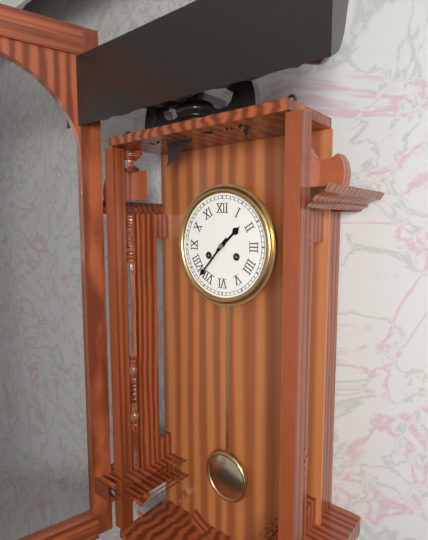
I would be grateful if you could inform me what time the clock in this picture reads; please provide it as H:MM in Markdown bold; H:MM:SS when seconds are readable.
**1:37**
